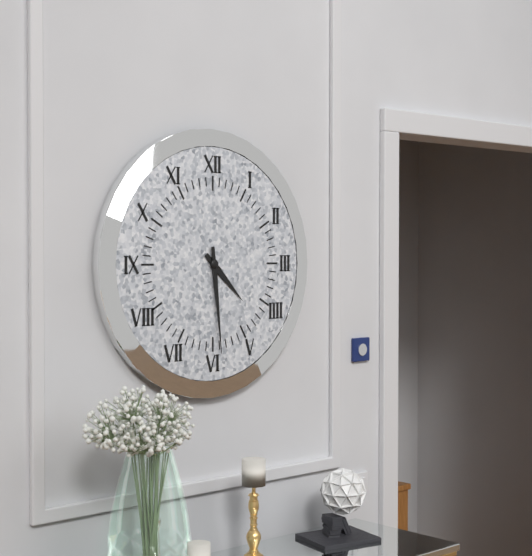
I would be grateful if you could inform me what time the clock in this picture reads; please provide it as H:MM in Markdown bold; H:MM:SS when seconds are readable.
**4:29**
